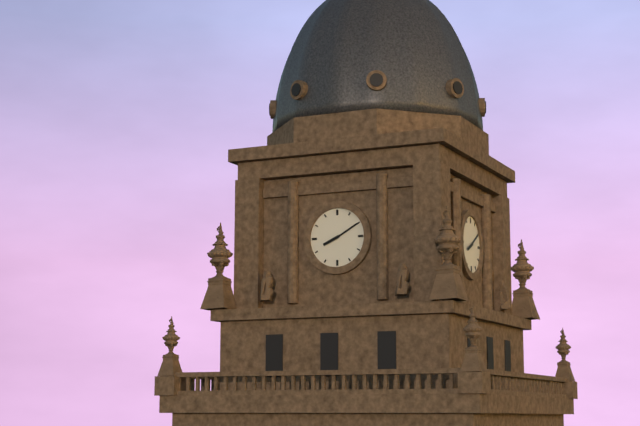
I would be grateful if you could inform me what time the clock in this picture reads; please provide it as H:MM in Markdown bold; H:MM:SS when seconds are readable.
**8:10**
